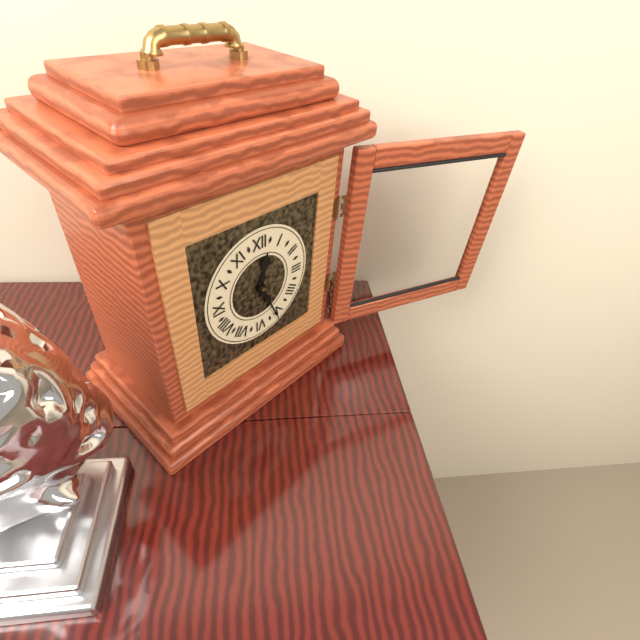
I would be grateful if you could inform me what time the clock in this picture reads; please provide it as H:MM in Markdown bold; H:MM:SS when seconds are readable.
**12:26**
